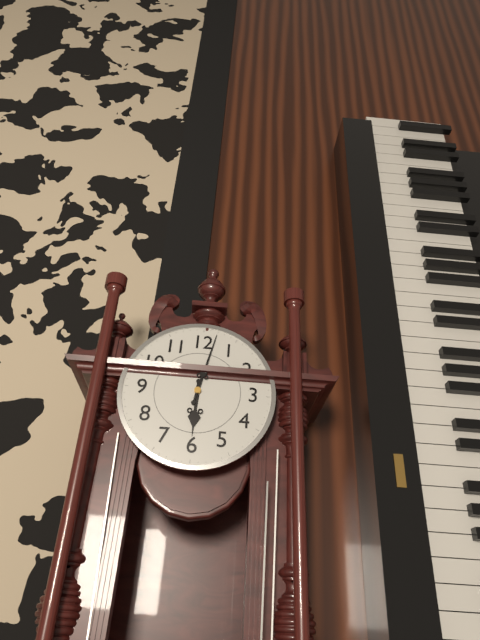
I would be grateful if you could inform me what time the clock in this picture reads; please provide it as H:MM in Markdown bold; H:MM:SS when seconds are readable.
**6:02**
